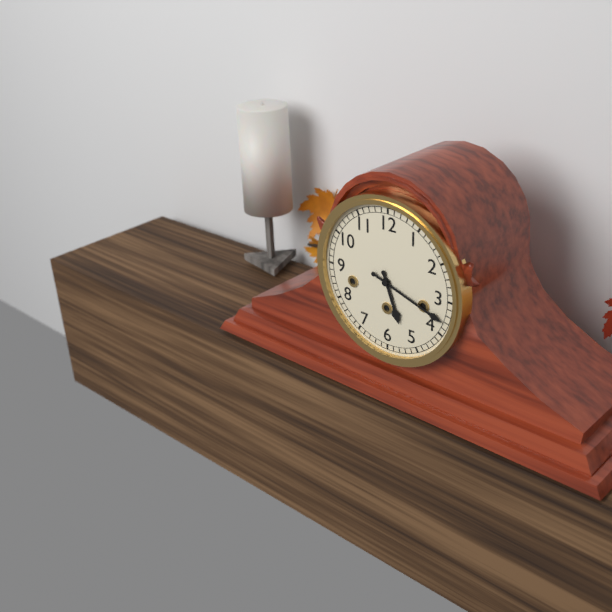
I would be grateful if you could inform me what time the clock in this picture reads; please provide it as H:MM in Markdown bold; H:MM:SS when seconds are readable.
**5:18**
